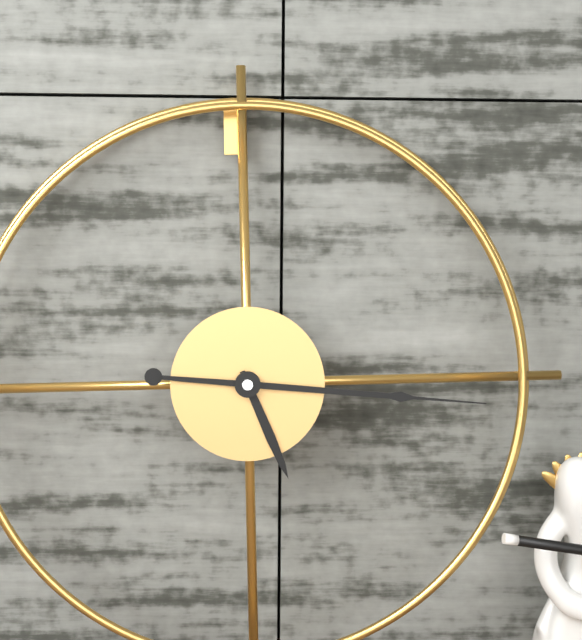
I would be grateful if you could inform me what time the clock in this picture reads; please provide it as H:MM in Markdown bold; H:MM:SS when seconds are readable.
**5:16**
